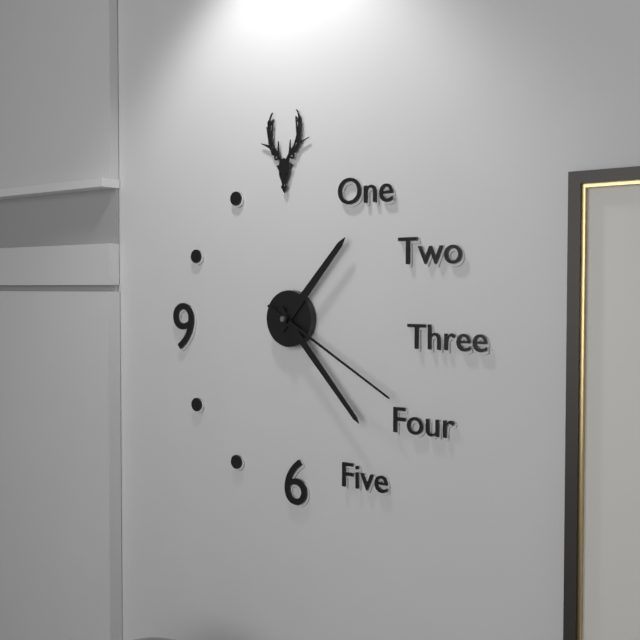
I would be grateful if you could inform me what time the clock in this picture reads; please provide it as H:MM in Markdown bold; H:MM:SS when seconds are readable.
**1:23:20**
